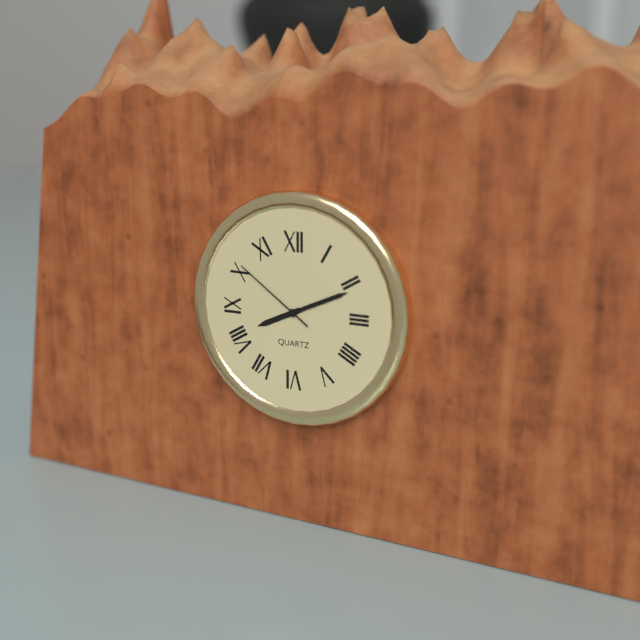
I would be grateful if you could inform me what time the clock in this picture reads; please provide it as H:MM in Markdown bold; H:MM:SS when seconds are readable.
**8:11:51**
